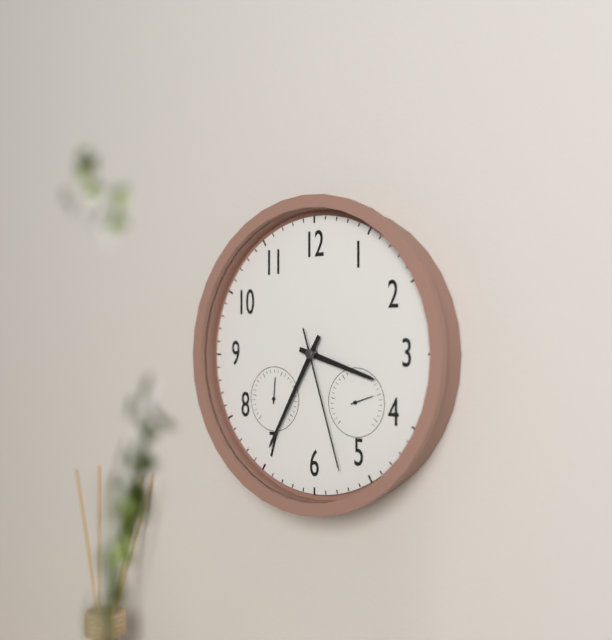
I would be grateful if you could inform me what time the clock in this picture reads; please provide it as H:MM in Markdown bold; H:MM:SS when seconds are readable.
**3:35:27**
